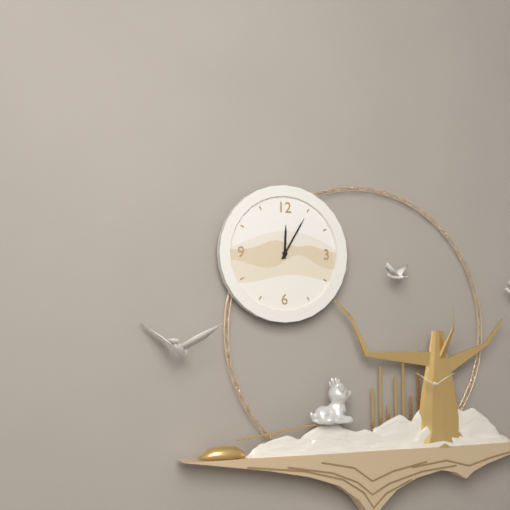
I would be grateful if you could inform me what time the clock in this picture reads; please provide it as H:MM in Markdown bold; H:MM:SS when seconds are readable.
**12:05**
